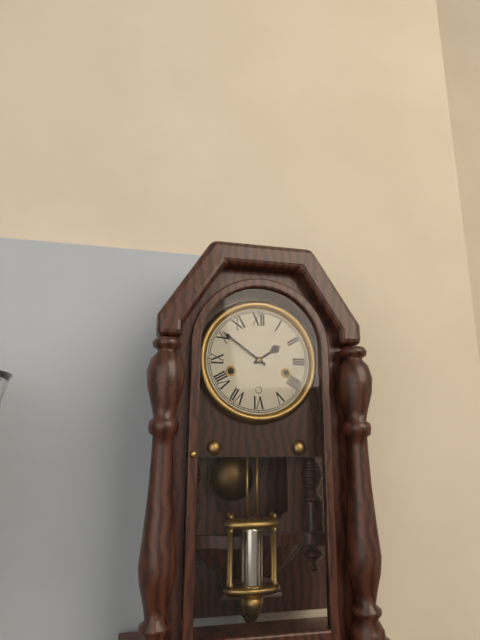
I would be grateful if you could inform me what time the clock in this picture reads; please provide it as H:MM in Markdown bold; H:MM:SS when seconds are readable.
**1:51**
